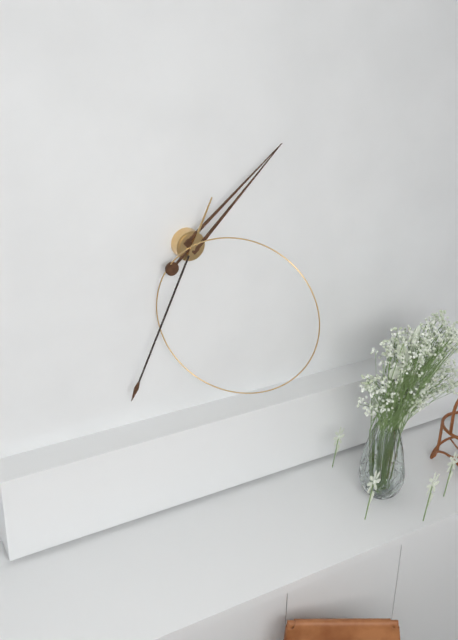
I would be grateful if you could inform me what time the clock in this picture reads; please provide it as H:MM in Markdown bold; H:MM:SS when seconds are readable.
**1:34**
